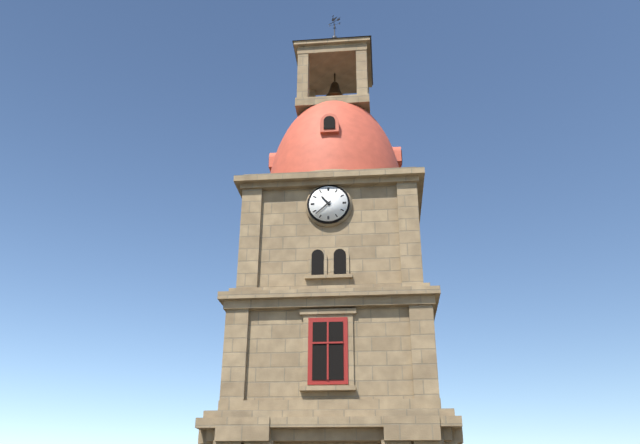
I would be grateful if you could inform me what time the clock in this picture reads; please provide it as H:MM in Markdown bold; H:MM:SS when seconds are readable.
**10:38**
